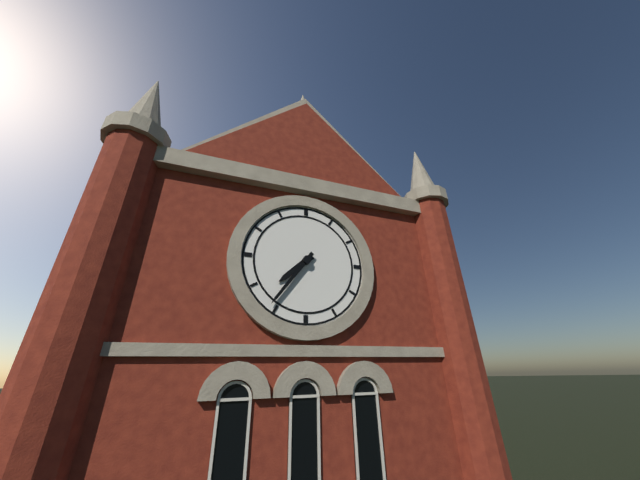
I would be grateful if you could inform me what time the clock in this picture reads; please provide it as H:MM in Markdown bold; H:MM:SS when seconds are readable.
**7:36**
